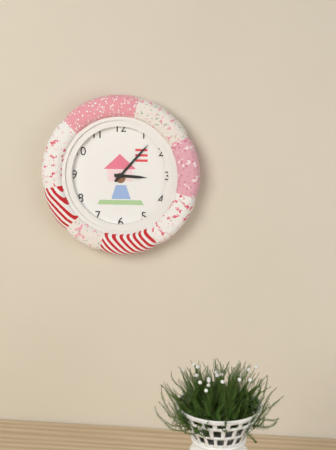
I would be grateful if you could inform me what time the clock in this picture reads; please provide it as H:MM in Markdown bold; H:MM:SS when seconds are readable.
**3:07**
